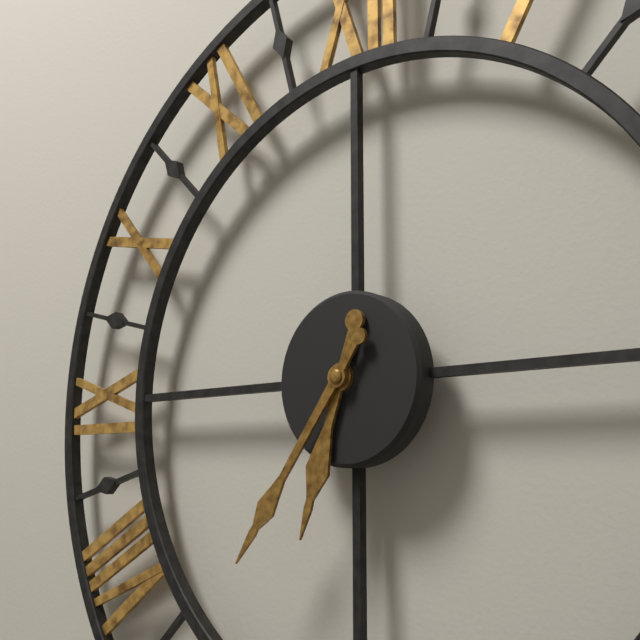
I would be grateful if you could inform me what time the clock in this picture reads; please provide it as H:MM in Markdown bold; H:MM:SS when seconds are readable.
**6:36**
